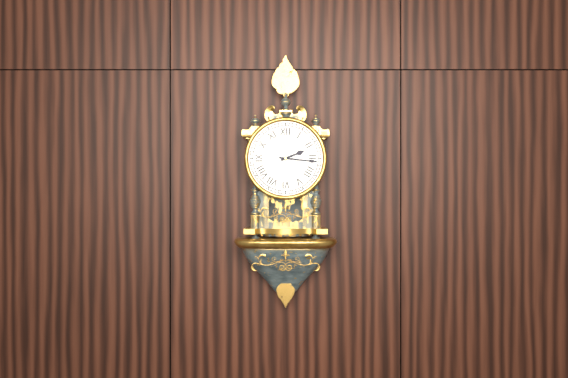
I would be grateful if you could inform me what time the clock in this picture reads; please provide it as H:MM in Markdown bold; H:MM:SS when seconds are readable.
**2:16**
